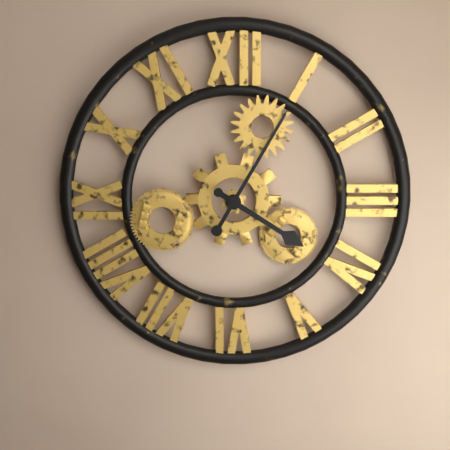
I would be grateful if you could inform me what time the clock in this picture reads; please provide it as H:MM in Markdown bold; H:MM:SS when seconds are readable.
**4:05**
